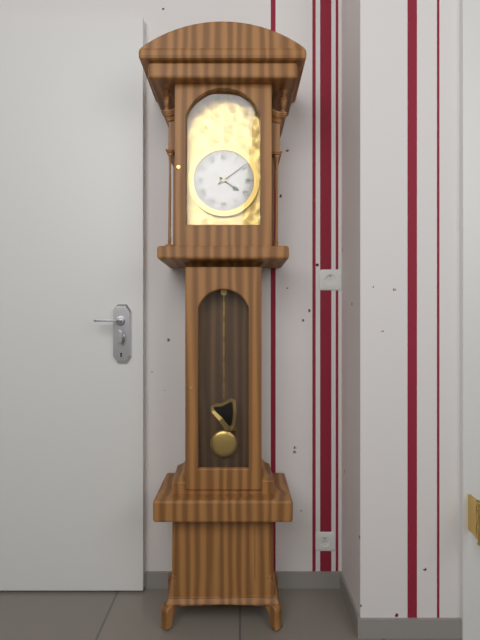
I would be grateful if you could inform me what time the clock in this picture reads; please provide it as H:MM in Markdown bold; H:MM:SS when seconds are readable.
**4:09**
